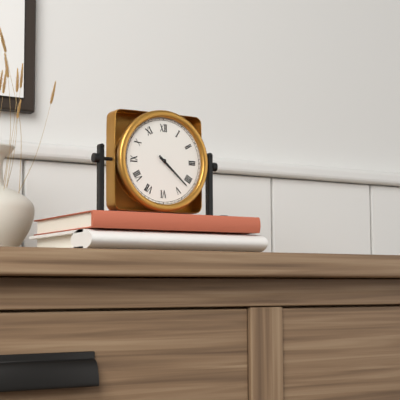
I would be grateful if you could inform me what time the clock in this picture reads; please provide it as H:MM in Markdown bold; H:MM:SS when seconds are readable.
**4:22**
